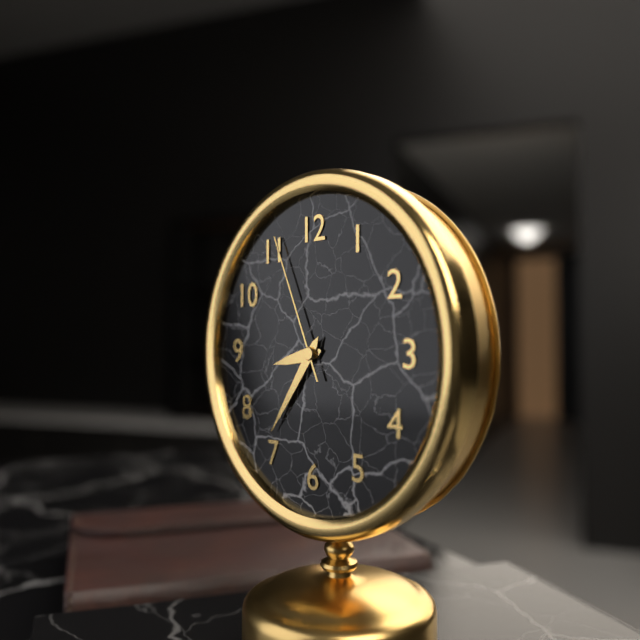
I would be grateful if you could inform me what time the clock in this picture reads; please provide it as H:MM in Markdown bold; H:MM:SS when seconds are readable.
**8:36:56**
